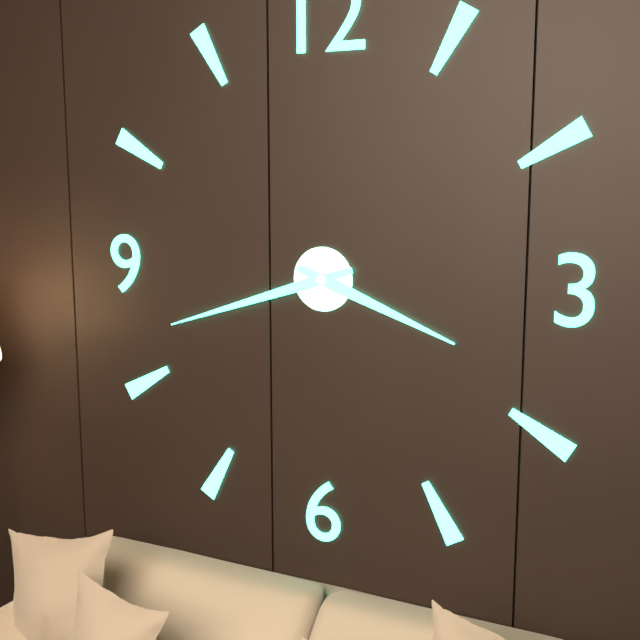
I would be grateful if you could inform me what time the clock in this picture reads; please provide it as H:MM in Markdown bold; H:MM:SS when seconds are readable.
**3:42**
